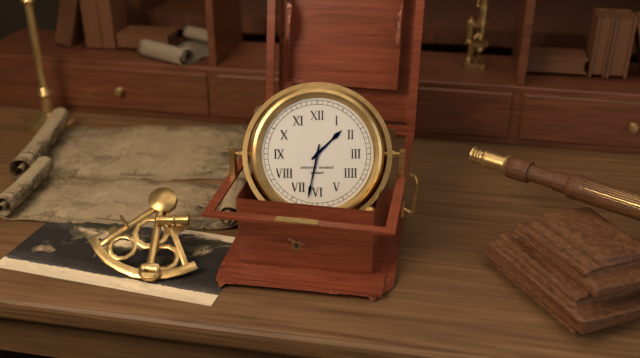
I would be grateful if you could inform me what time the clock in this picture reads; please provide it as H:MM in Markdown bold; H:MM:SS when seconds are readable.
**1:32**
